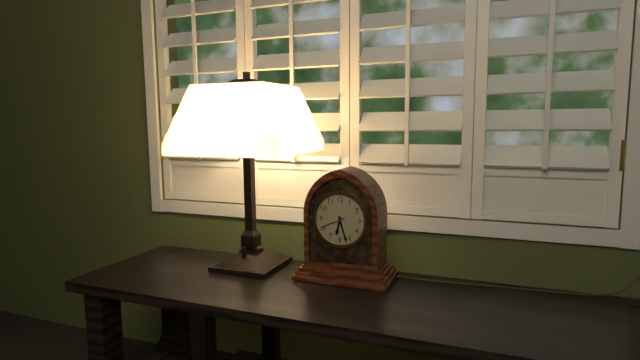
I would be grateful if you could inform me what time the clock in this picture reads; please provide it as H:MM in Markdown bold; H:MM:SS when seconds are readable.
**6:27**
